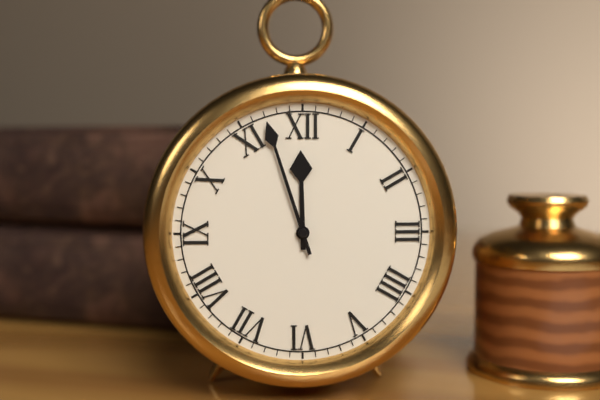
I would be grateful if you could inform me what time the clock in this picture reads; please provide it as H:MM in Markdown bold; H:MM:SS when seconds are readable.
**11:57**
